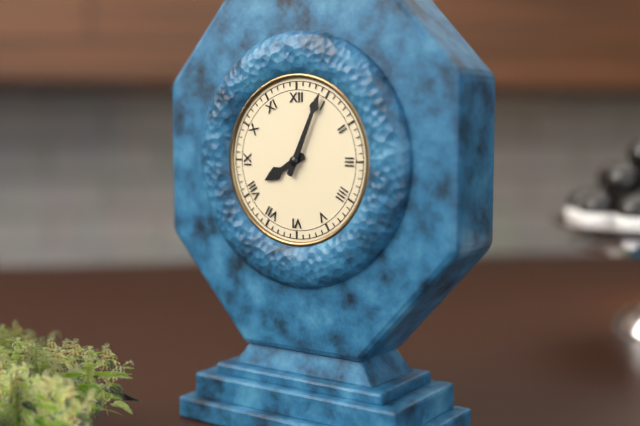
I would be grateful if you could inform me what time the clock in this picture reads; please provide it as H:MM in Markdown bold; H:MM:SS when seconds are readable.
**8:04**
